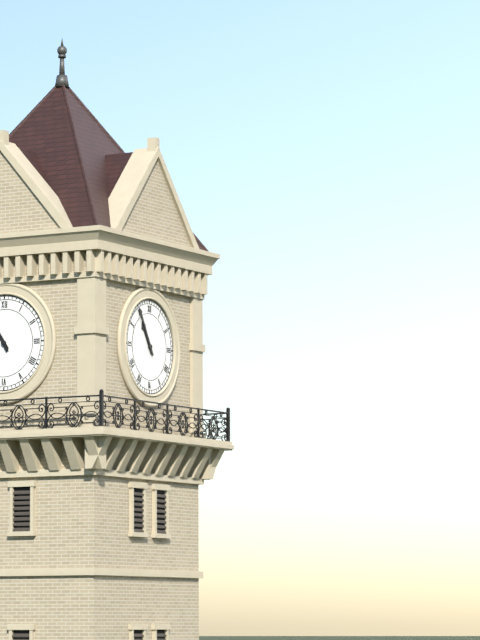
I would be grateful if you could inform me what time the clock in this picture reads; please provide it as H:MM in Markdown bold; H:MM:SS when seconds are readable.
**10:55**
